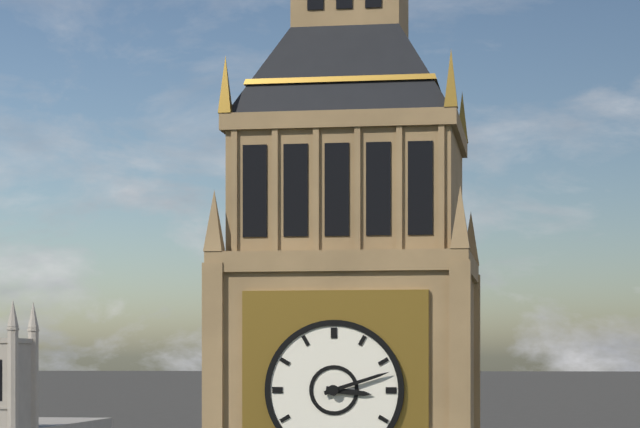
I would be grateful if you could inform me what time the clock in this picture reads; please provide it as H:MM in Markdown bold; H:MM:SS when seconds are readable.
**3:12**
